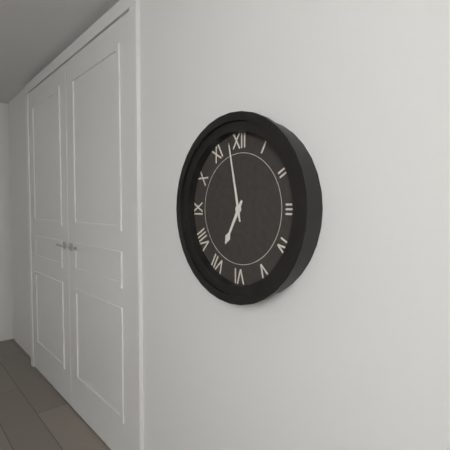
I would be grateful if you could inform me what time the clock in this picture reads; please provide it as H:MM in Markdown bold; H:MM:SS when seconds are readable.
**6:58**
